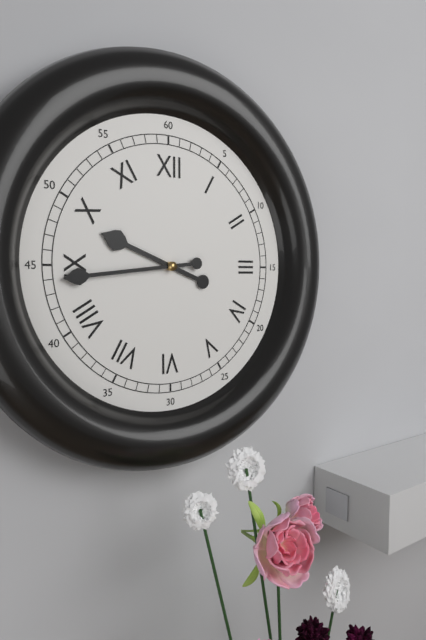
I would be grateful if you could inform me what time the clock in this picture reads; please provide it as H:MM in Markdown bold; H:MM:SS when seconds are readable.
**9:44**
